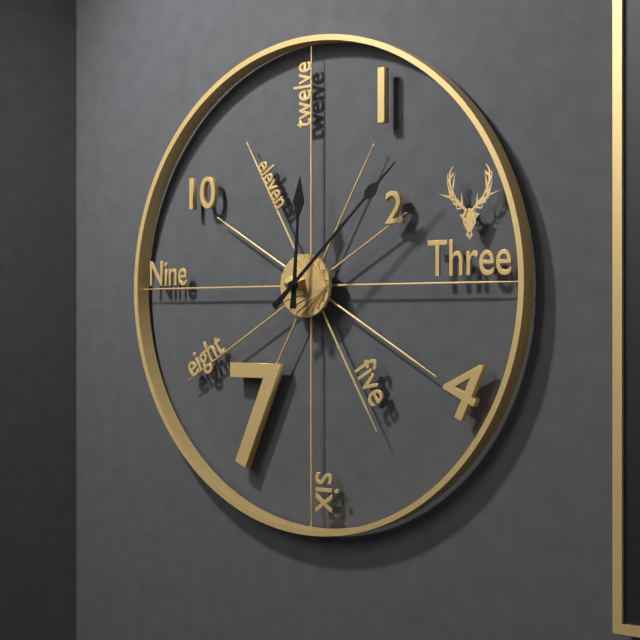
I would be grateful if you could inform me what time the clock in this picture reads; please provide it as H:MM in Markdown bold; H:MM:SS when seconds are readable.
**12:08**
